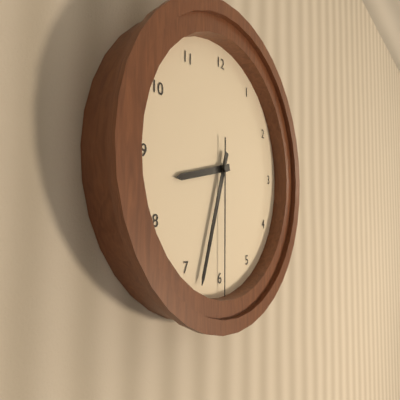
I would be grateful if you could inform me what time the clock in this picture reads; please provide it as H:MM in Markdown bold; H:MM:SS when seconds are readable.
**8:33:30**
